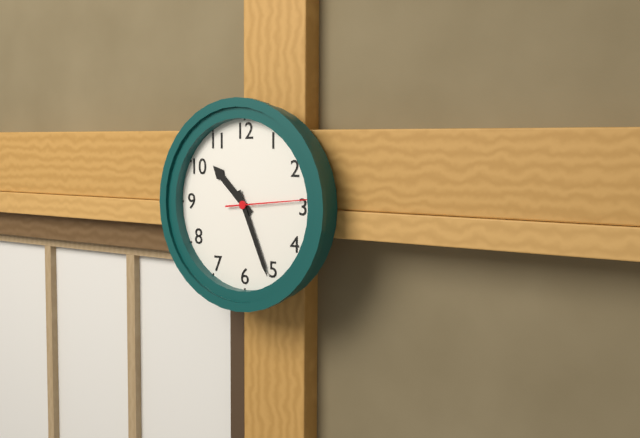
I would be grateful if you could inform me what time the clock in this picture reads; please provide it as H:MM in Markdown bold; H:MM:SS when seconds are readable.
**10:26:14**
